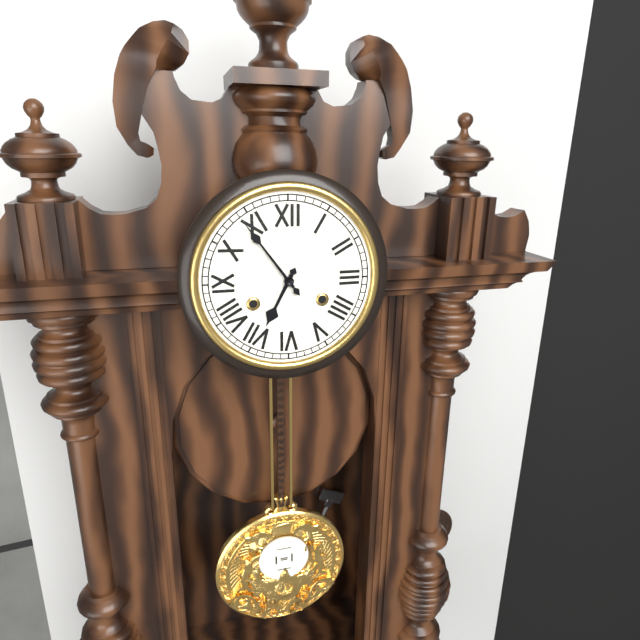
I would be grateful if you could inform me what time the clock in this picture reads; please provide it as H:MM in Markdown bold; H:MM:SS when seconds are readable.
**6:54**
